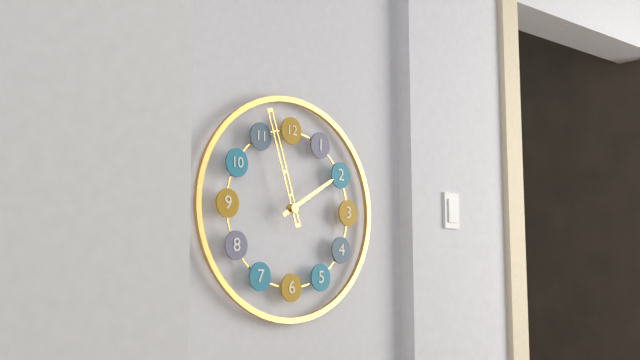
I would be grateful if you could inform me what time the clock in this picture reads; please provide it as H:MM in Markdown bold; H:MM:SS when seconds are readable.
**1:57**
